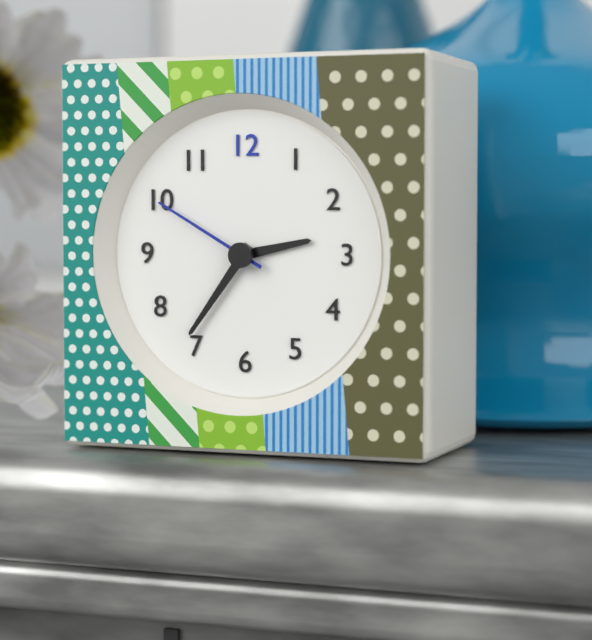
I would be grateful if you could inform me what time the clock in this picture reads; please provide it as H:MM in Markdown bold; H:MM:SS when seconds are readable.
**2:36:50**
